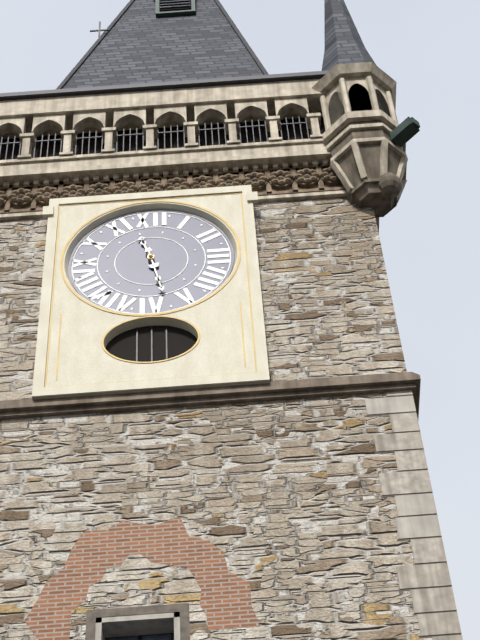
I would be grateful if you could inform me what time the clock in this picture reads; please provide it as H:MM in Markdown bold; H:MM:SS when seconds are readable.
**11:28**
